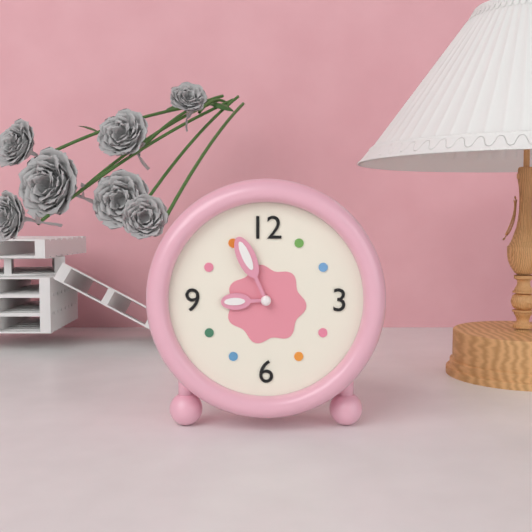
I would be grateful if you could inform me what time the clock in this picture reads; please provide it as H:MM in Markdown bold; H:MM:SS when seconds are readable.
**8:56**
